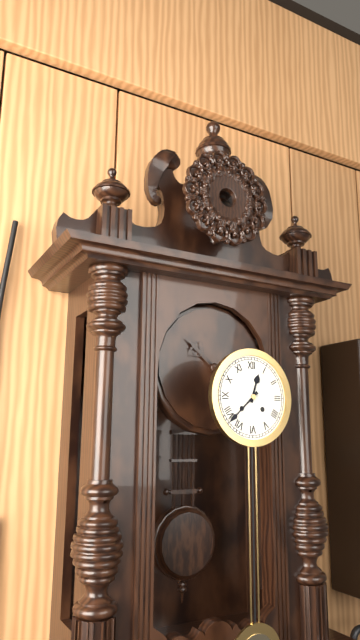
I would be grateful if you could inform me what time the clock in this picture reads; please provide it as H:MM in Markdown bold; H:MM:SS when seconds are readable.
**12:38**
